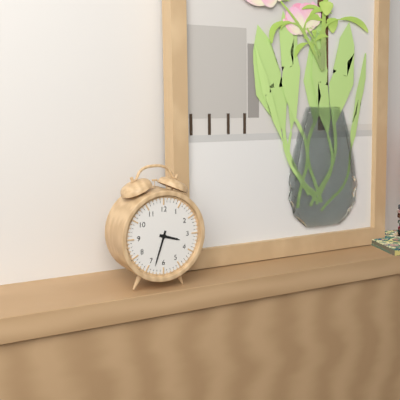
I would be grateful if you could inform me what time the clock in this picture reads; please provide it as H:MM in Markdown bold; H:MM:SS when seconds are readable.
**3:33**
